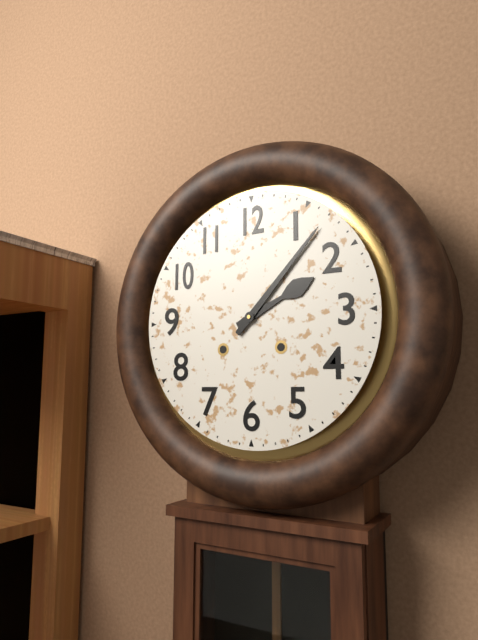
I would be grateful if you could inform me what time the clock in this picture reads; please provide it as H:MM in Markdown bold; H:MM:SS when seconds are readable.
**2:07**
